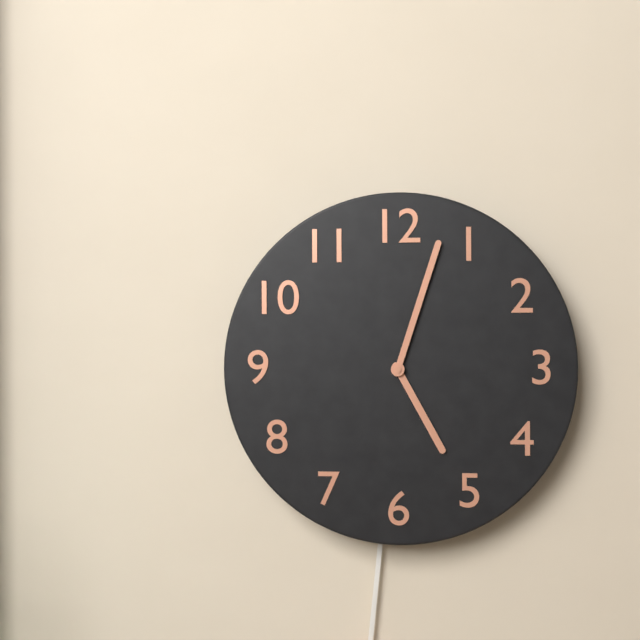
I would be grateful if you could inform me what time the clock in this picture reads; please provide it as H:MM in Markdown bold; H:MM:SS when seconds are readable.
**5:03**
